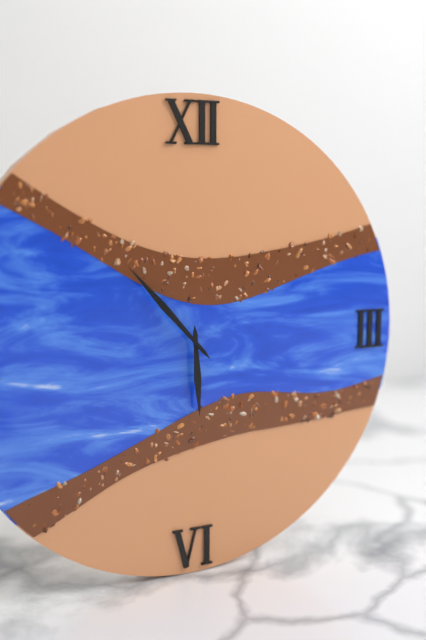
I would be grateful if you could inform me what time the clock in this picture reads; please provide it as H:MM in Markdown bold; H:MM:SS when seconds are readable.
**5:53**
